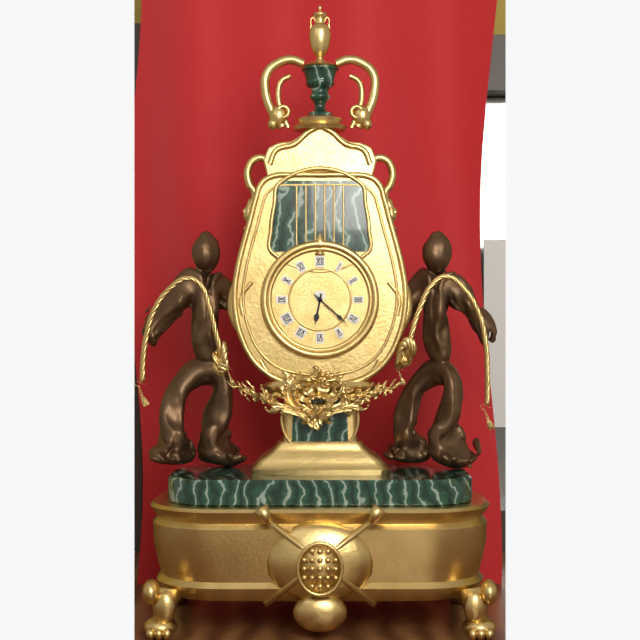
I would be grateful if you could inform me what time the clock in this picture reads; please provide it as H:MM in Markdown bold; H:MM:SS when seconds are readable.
**6:22**
